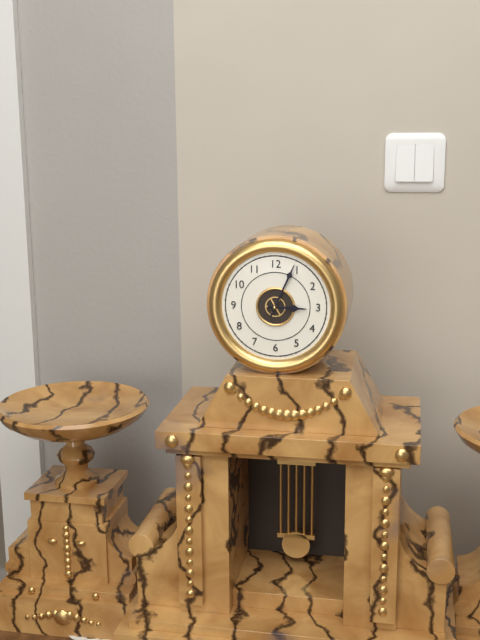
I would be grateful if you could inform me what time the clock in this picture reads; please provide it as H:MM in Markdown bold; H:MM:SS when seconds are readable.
**3:04**
